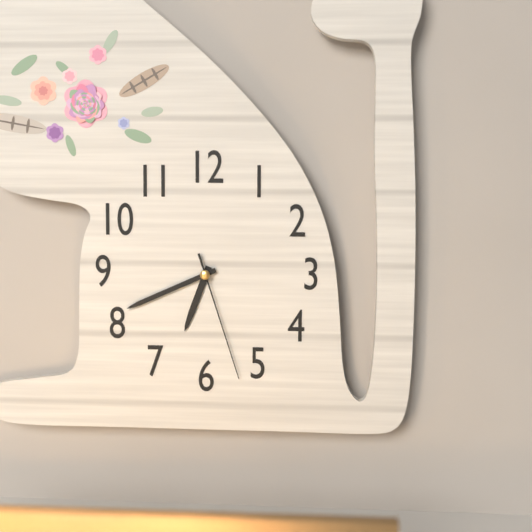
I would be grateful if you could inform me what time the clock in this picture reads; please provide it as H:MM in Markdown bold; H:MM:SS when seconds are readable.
**6:41:27**
